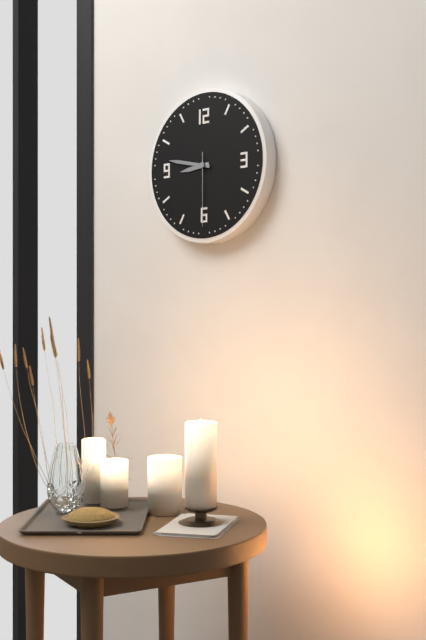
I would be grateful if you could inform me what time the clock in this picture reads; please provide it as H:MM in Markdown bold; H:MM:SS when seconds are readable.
**8:47:30**
